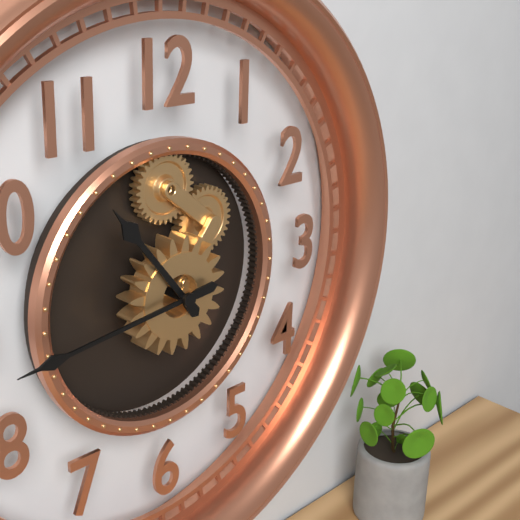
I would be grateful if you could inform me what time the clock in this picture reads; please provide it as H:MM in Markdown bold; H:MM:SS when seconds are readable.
**10:44**
